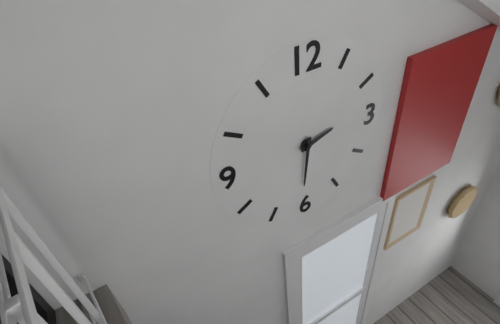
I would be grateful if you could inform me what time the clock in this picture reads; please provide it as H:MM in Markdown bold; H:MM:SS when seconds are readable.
**2:31**
